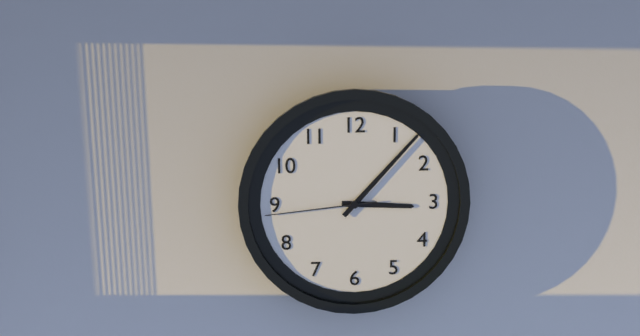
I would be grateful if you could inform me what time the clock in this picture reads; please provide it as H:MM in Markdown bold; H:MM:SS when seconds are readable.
**3:07:44**
